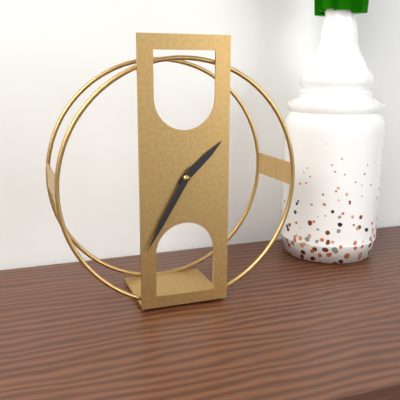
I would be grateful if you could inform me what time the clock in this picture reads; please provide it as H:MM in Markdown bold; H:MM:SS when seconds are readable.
**1:35**
